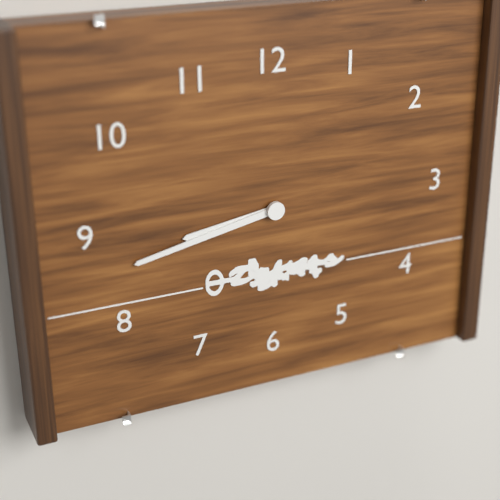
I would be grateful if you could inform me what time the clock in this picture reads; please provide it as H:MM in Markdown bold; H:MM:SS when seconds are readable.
**8:43**
